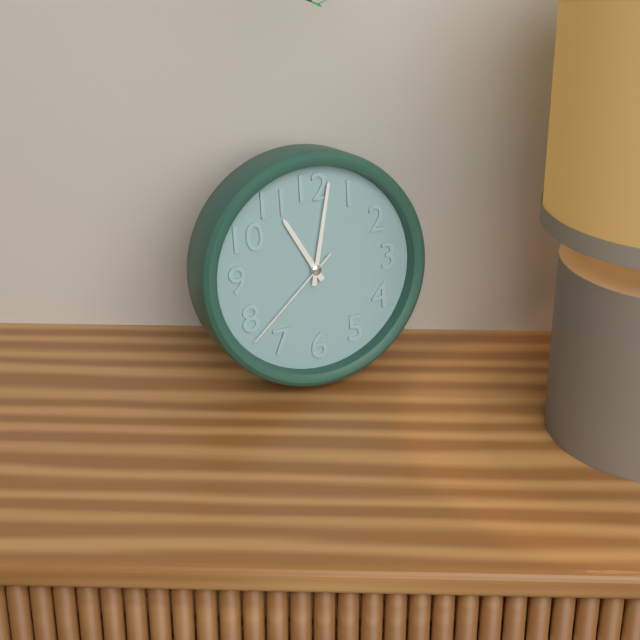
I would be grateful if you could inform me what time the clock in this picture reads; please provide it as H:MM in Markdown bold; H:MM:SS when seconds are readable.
**11:02:38**
